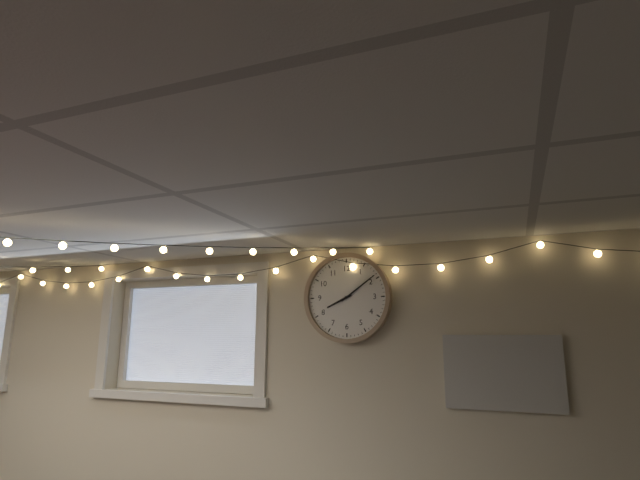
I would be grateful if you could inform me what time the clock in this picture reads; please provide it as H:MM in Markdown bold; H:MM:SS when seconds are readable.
**8:09**
